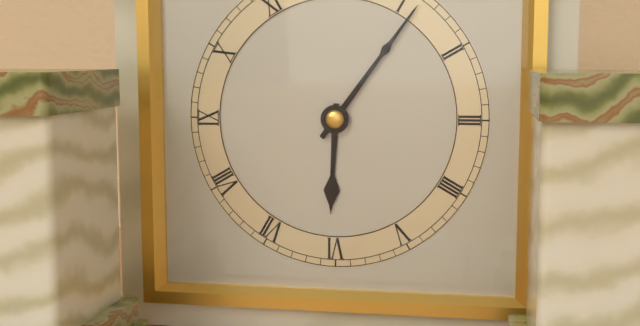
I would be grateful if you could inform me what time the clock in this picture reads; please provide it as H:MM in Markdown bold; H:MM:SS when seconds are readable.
**6:06**
